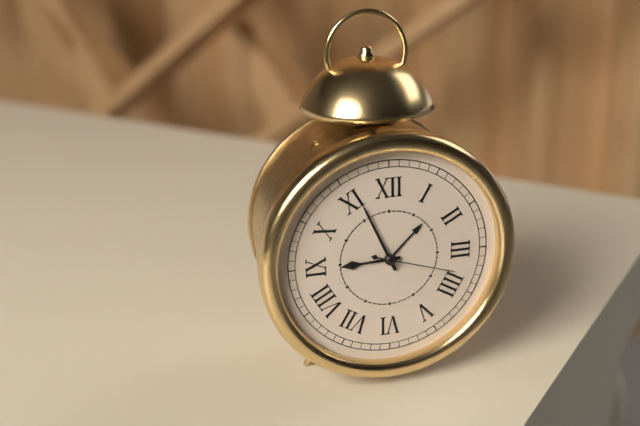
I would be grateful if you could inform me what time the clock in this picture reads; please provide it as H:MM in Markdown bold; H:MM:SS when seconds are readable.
**8:56:18**
